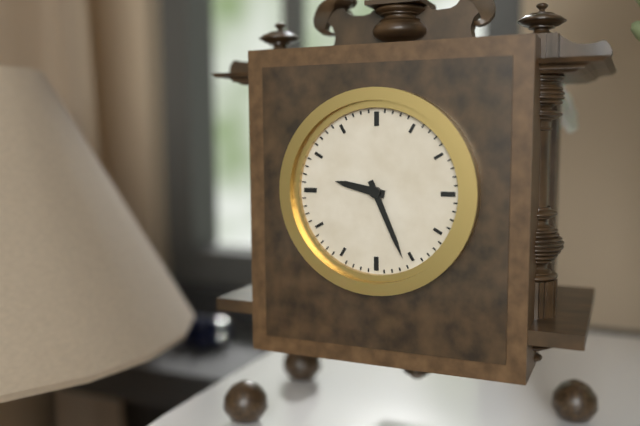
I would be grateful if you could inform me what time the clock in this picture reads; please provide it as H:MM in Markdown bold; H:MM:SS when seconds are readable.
**9:26**
